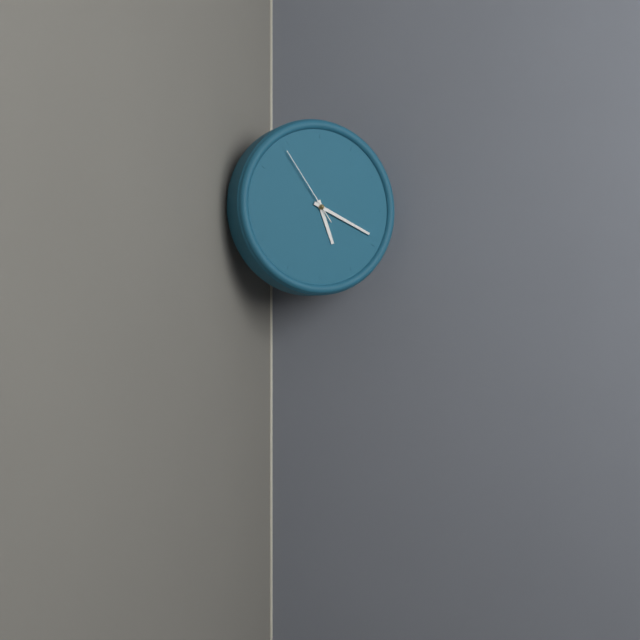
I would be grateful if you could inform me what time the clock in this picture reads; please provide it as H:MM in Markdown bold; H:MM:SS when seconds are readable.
**5:19:54**
